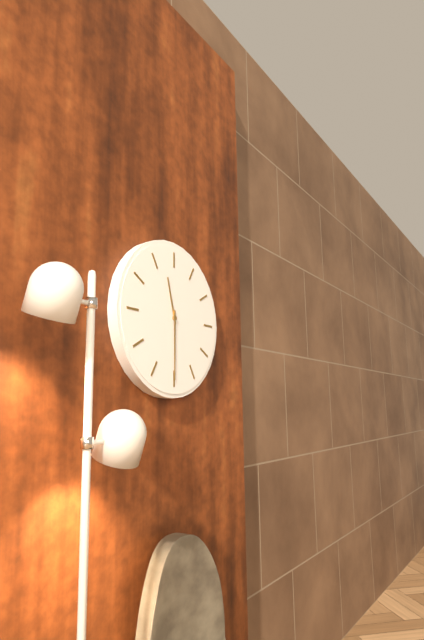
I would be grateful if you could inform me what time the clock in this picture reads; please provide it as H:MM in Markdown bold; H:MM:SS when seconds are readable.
**11:30**
